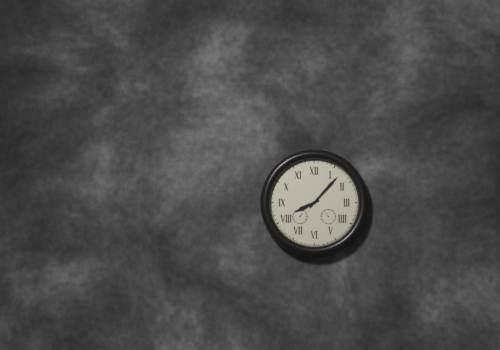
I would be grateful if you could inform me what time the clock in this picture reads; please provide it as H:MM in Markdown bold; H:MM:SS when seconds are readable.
**8:07**
